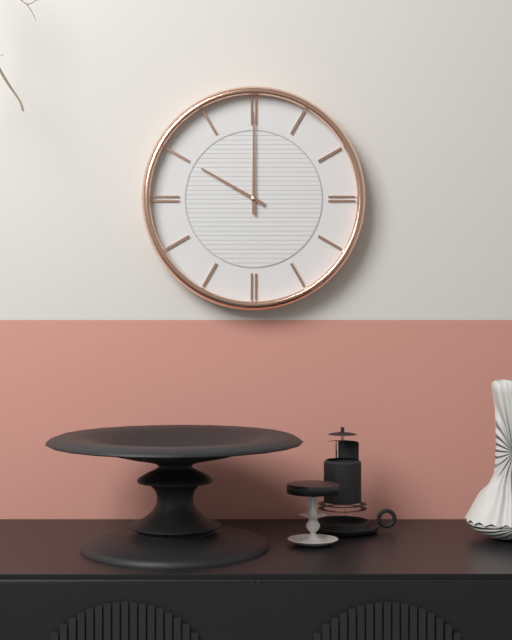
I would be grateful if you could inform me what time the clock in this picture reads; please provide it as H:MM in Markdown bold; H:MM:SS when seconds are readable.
**10:00**
